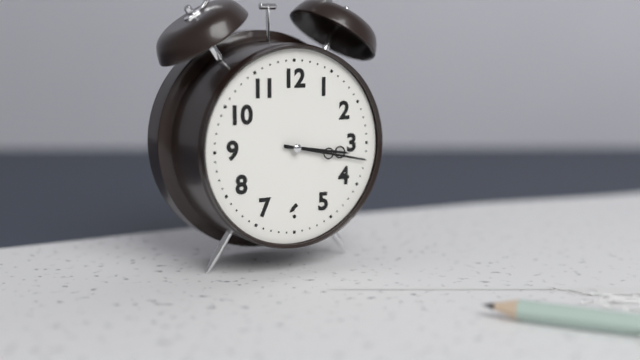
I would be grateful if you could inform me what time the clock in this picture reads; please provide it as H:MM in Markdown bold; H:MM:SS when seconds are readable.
**3:17:17**
